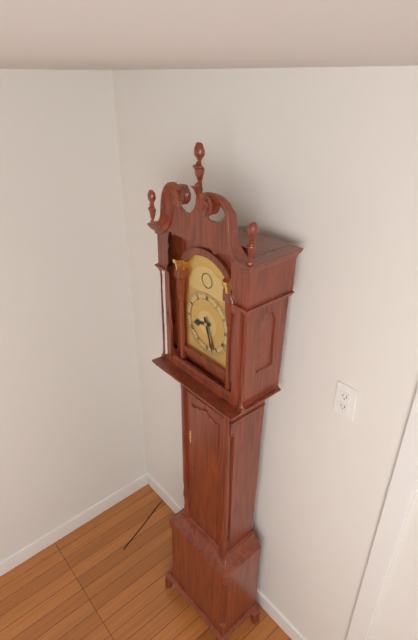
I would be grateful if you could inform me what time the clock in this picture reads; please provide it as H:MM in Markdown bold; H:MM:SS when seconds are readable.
**8:27**
